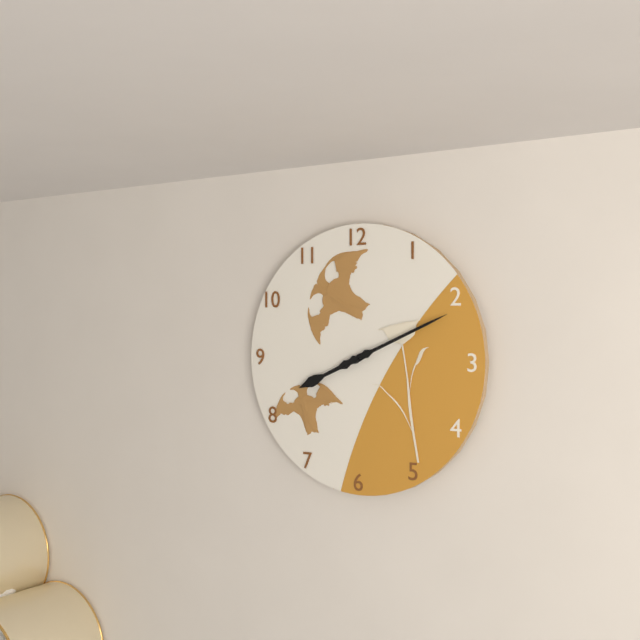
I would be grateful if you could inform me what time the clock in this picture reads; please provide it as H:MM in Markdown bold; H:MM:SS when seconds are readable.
**8:11**
